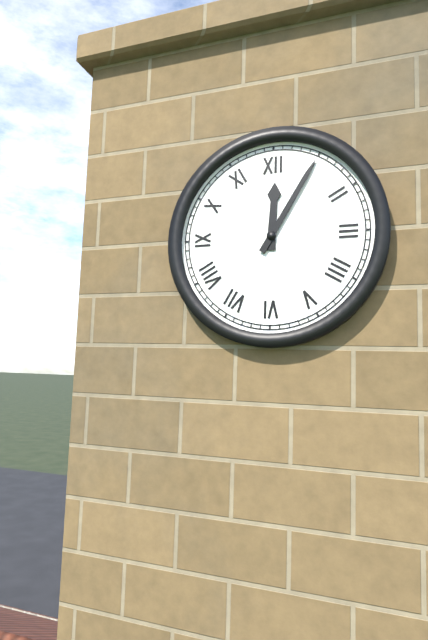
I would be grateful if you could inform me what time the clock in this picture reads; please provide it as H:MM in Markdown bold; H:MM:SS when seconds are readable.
**12:05**
